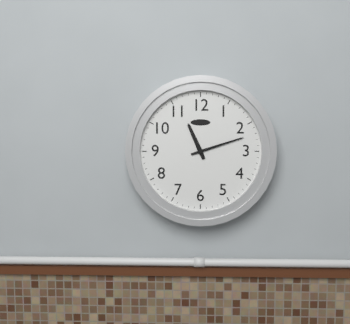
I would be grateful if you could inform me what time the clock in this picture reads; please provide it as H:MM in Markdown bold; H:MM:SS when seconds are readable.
**11:12**
